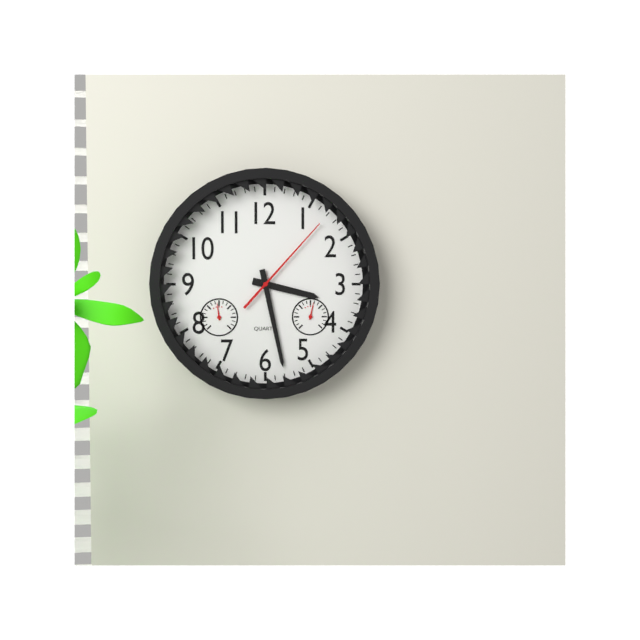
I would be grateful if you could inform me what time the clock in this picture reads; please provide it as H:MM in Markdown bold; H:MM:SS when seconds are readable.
**3:28:07**
